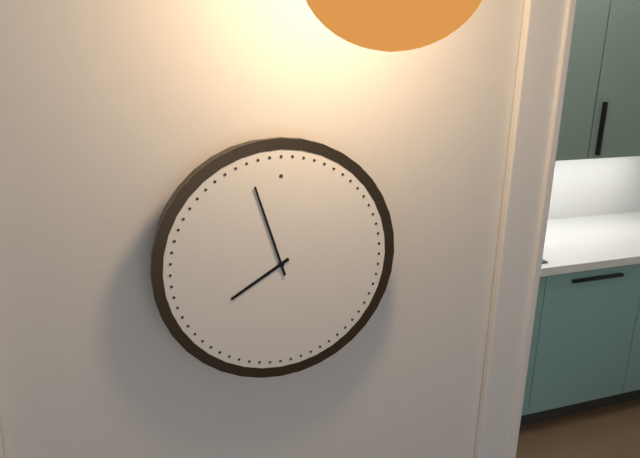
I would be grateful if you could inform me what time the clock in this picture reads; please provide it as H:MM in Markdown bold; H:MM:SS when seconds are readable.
**7:57**
